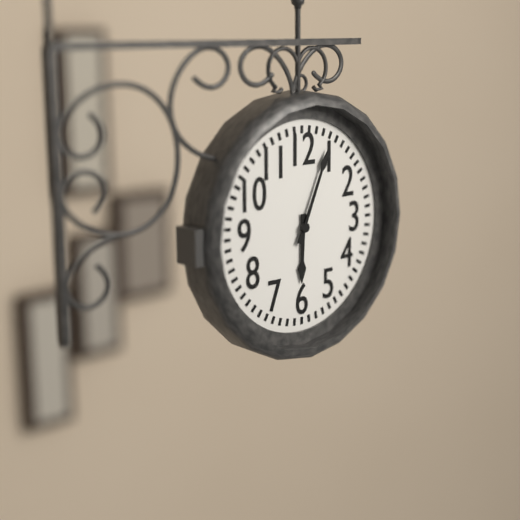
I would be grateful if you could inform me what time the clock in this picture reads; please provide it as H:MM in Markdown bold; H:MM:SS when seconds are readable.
**6:04**
